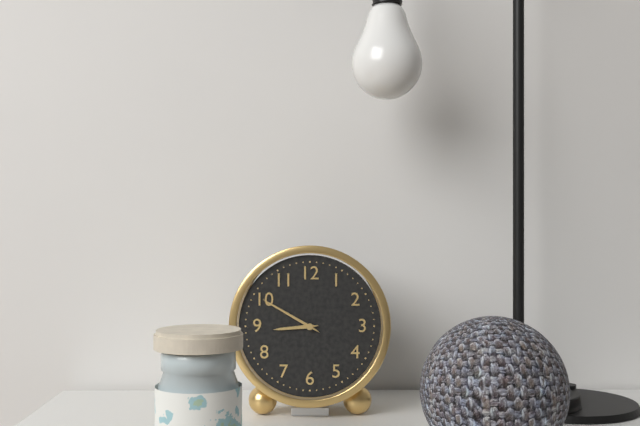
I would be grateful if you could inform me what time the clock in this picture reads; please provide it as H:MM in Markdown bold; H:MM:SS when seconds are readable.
**8:50**
